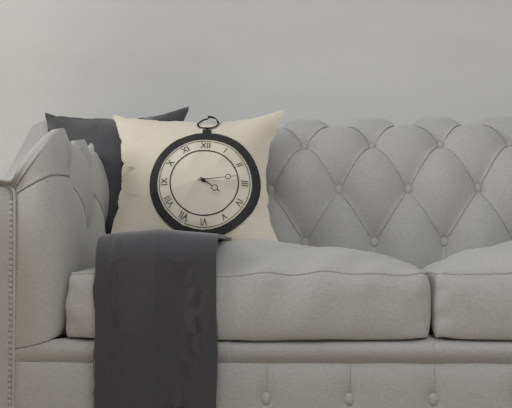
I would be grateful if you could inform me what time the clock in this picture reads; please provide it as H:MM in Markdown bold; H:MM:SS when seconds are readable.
**4:14**
